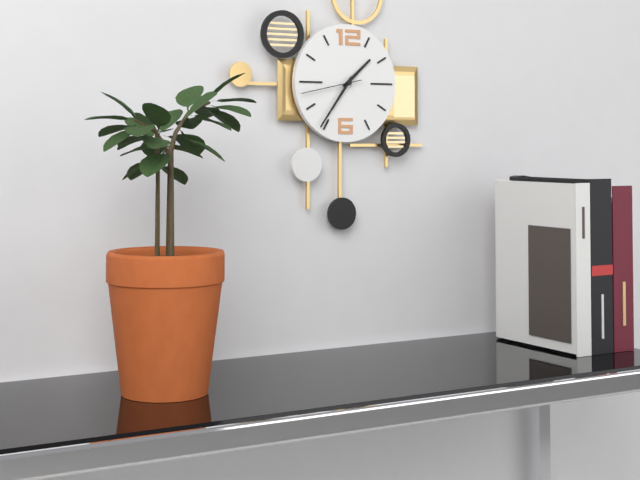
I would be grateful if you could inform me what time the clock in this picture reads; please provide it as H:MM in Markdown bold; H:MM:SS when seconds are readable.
**1:36:43**
